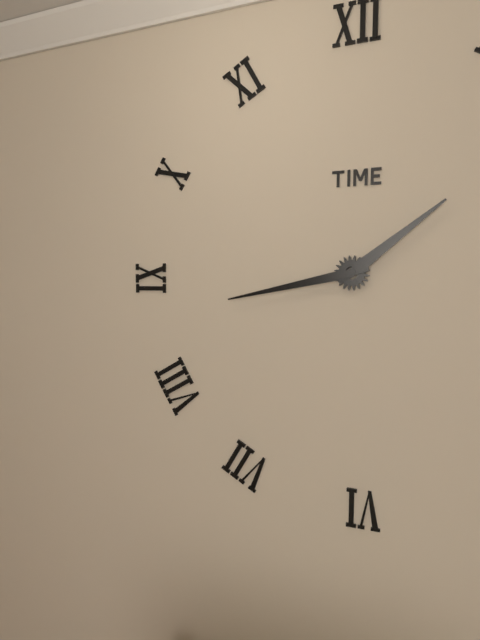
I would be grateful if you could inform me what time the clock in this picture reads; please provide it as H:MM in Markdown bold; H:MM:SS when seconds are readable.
**1:43**
